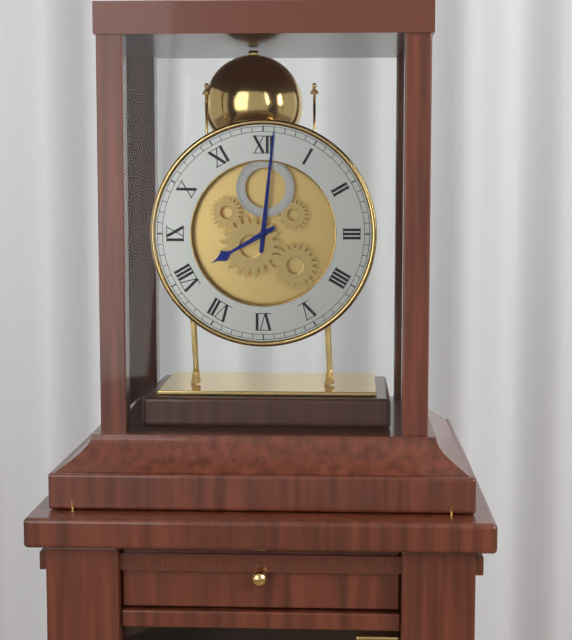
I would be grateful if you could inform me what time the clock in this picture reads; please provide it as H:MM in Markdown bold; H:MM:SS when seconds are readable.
**8:01**
